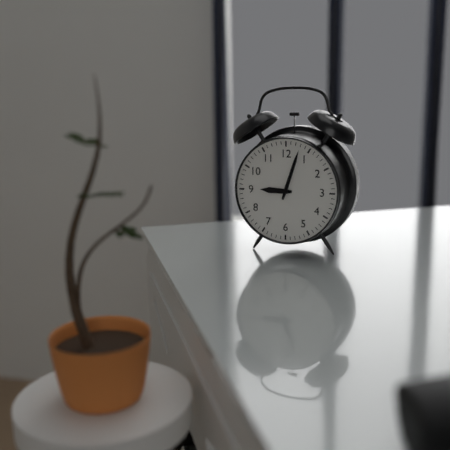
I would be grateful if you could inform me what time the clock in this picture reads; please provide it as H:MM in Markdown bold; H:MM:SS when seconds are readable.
**9:03**
